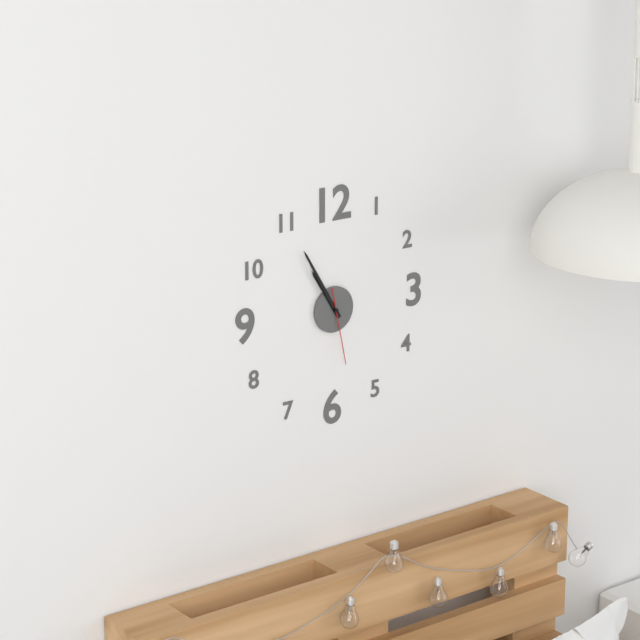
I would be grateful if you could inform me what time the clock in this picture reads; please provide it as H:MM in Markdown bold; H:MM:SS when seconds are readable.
**10:55:28**
